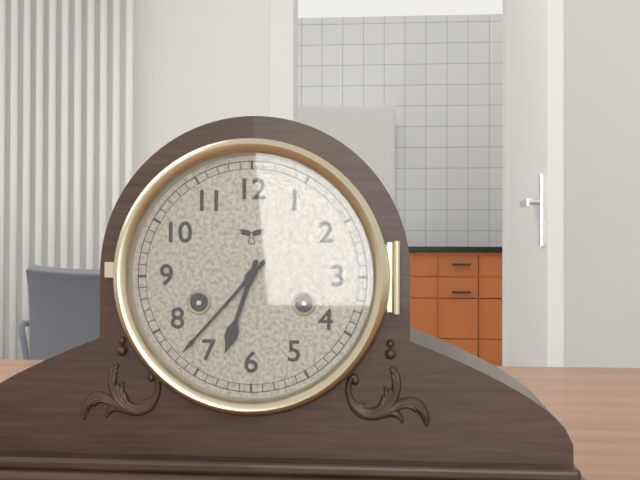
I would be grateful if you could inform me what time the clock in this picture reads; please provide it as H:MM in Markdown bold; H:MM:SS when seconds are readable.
**6:37**
